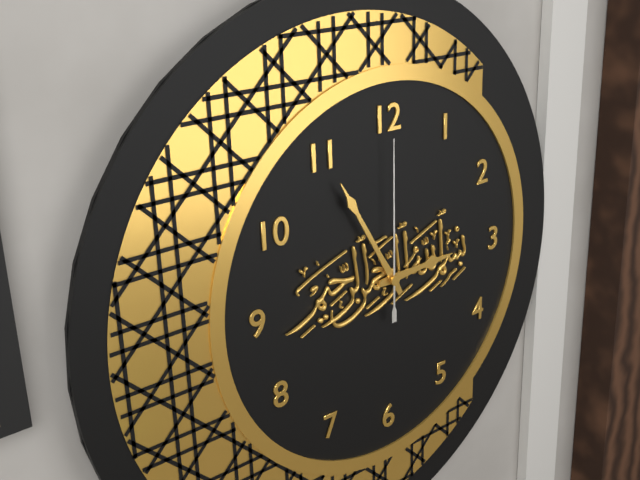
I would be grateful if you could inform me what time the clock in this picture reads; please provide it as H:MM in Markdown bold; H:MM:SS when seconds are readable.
**2:55:00**
